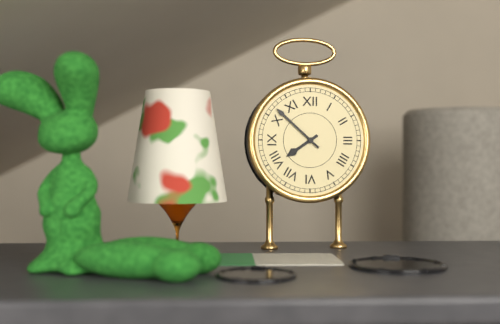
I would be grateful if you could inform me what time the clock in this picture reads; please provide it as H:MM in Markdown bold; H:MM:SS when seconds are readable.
**7:52**
